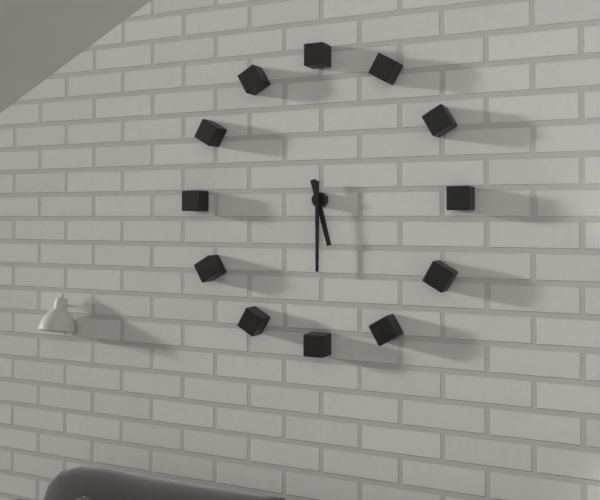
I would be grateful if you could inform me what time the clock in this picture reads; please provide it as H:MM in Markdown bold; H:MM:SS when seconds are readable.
**5:30**
